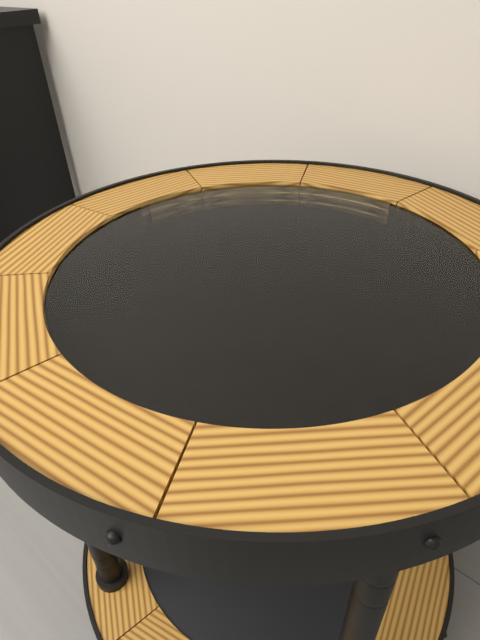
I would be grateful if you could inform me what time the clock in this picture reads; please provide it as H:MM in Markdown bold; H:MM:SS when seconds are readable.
**12:26**
